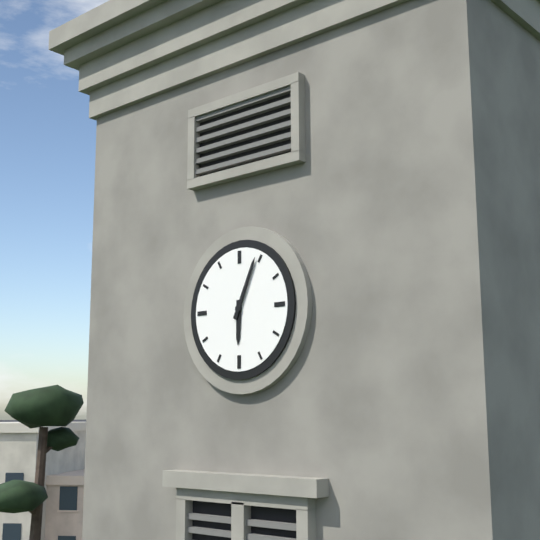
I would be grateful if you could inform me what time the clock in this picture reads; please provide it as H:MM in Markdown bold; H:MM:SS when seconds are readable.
**6:04**
